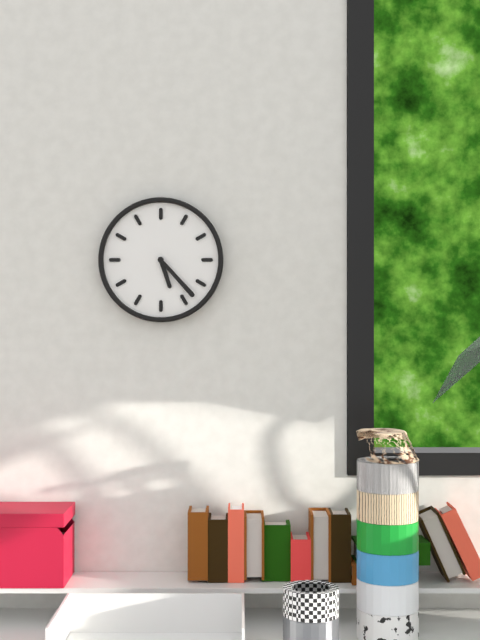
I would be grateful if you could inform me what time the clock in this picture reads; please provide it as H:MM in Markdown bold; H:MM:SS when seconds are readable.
**5:23**
